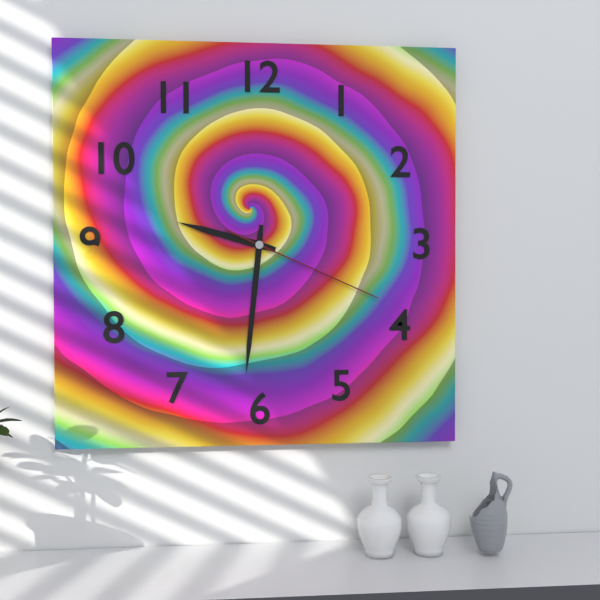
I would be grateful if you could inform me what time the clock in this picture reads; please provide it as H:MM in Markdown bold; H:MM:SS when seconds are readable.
**9:31:19**
